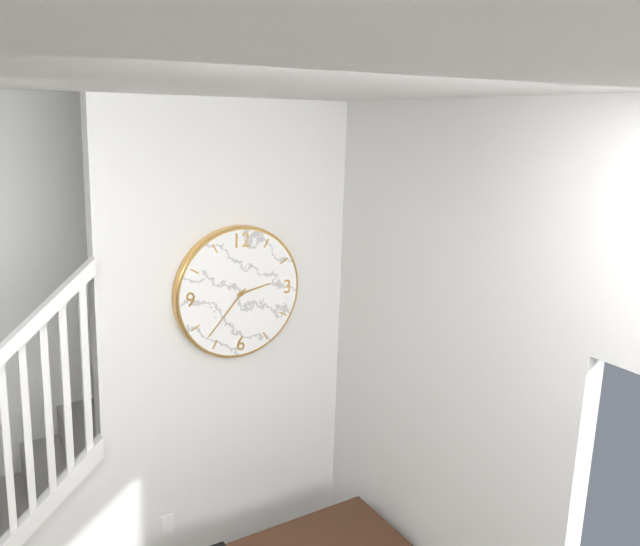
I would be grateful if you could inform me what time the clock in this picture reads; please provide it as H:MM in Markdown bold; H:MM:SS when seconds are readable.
**2:37**
